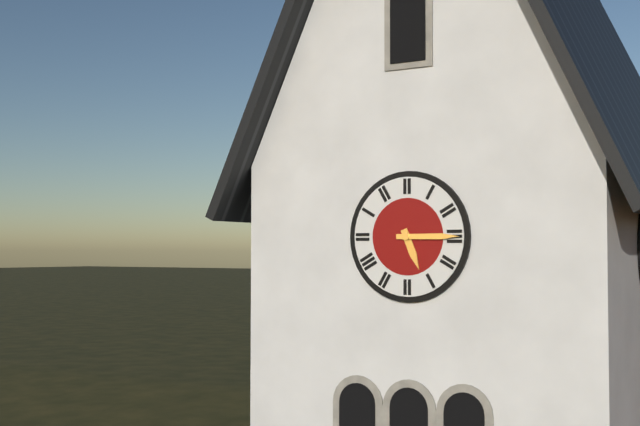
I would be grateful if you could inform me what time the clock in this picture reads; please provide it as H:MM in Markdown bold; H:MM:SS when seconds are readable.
**5:15**
